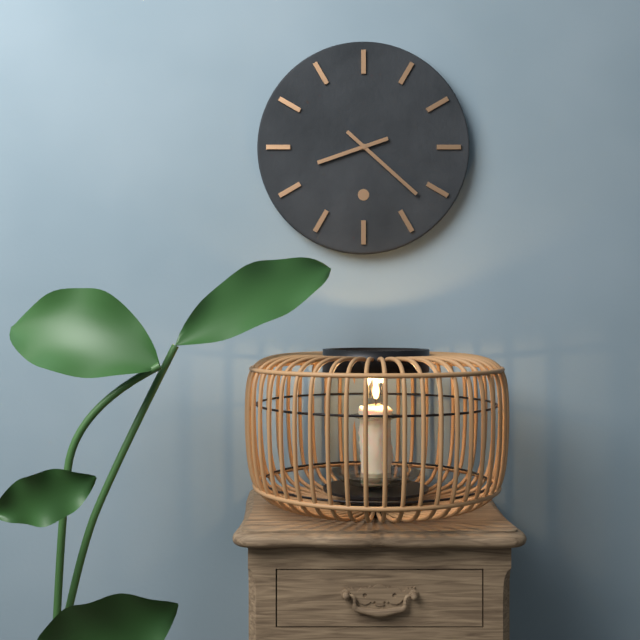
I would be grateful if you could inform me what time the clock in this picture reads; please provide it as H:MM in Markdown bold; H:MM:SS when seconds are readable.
**8:22**
